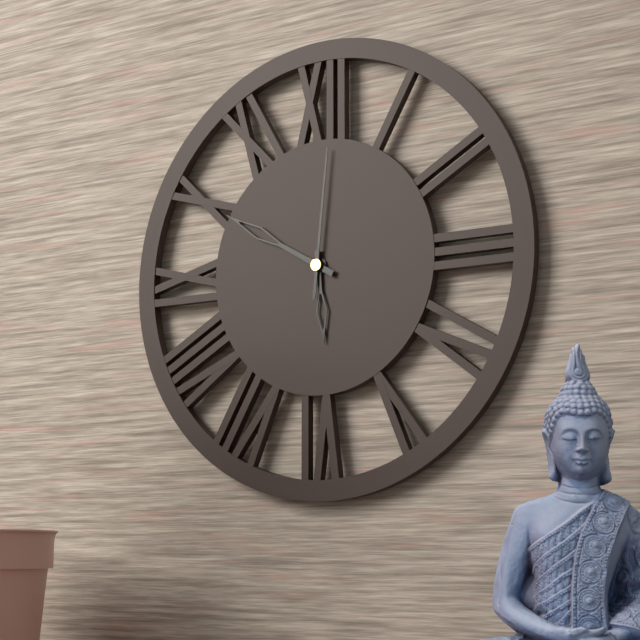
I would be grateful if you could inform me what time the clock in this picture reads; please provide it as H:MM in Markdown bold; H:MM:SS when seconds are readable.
**5:50:01**
